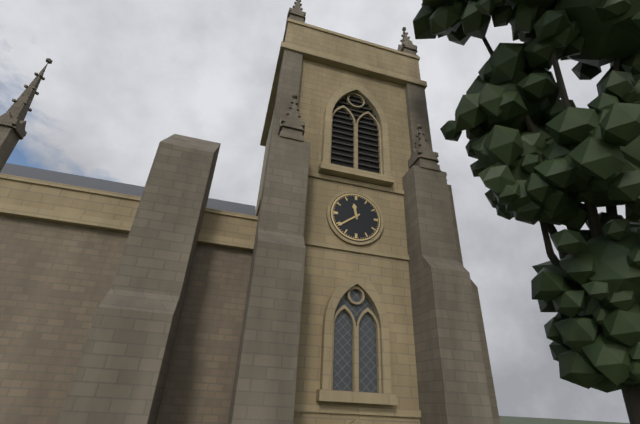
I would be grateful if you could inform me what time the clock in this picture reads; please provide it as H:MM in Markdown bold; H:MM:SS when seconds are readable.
**11:39**
